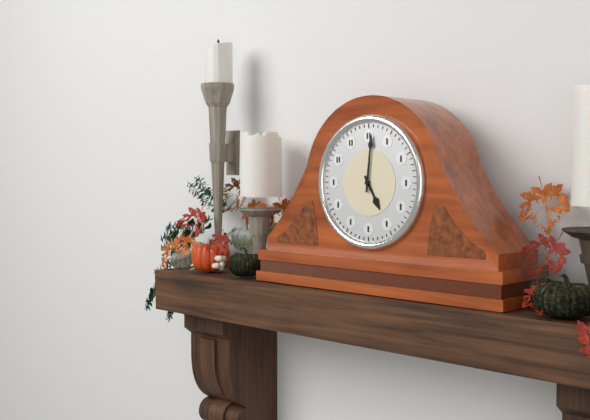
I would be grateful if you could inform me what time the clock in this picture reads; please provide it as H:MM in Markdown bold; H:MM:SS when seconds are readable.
**5:01**
